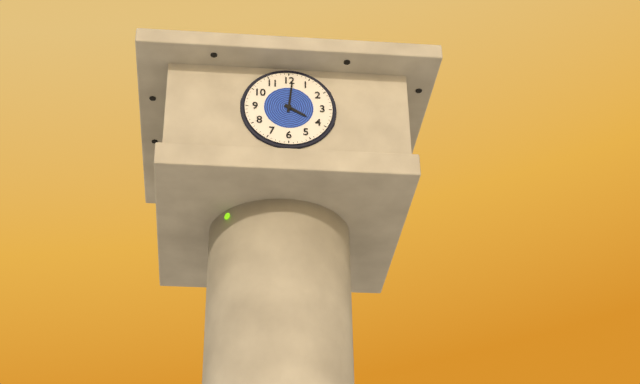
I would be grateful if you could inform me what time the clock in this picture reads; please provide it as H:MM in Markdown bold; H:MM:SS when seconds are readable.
**4:01**
